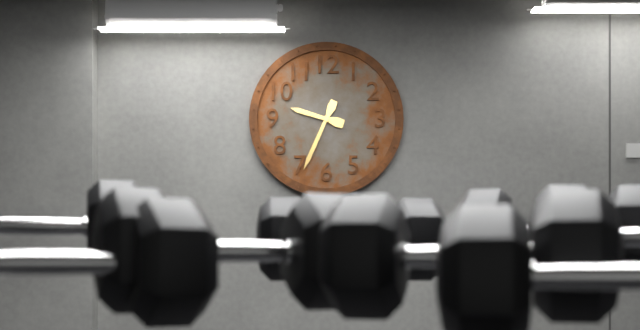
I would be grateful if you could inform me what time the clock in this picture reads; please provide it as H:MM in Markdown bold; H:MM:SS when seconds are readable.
**9:34**
